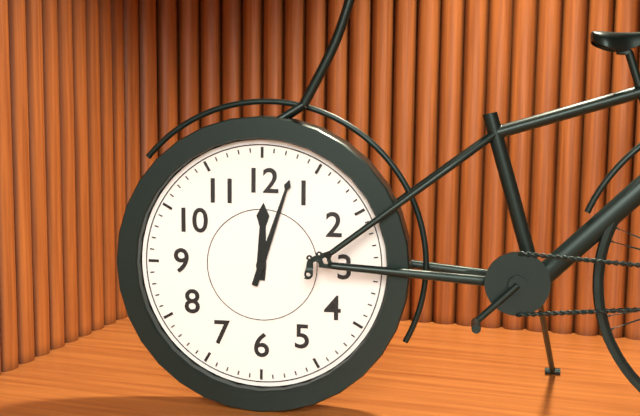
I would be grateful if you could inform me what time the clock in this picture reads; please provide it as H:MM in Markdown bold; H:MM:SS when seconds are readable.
**12:03**
